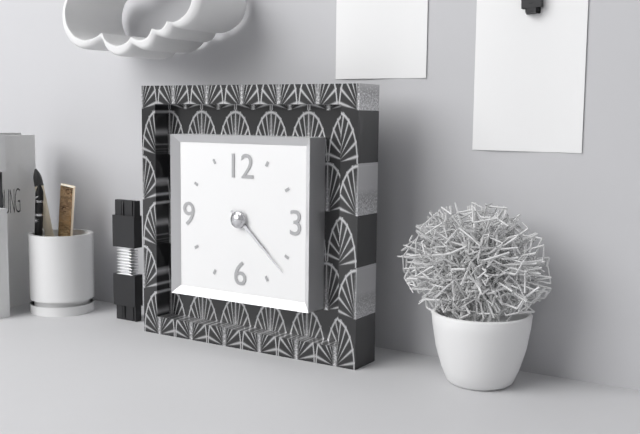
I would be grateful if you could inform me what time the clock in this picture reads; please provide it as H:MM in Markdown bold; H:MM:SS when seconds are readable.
**4:22**
